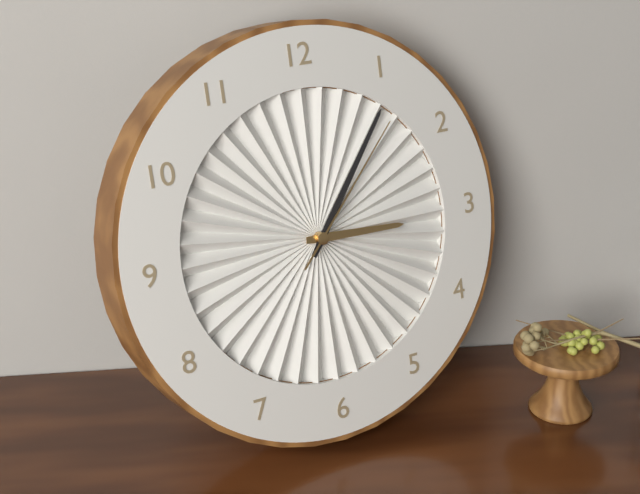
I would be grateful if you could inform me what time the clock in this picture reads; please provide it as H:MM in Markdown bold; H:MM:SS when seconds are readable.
**3:06:07**
